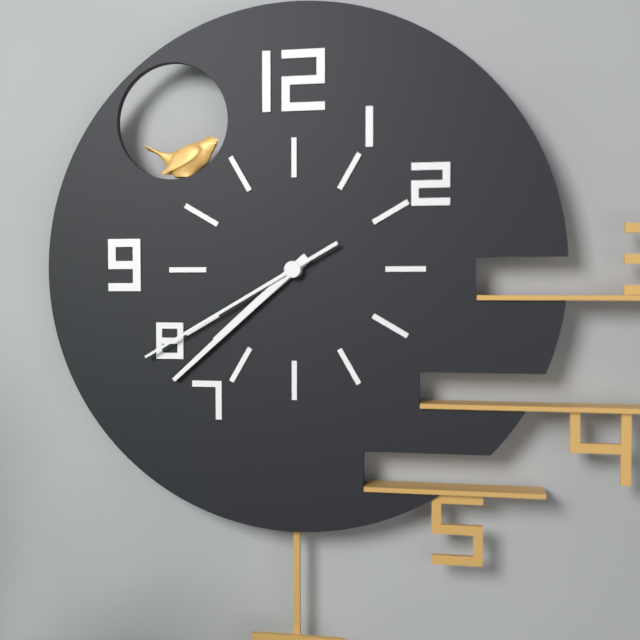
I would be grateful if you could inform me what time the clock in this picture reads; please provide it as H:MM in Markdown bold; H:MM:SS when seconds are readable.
**7:38:40**
